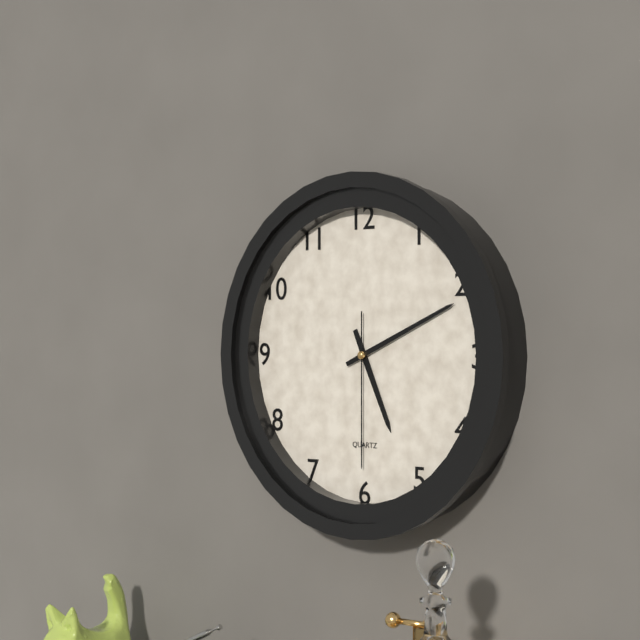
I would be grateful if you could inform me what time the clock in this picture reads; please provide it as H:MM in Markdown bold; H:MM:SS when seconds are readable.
**5:11:30**
